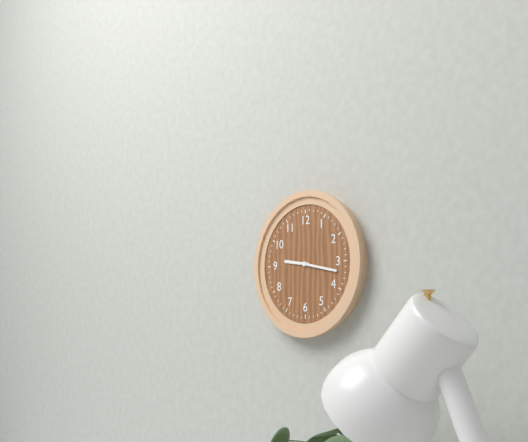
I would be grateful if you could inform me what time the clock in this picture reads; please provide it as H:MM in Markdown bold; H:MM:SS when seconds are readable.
**9:17**
